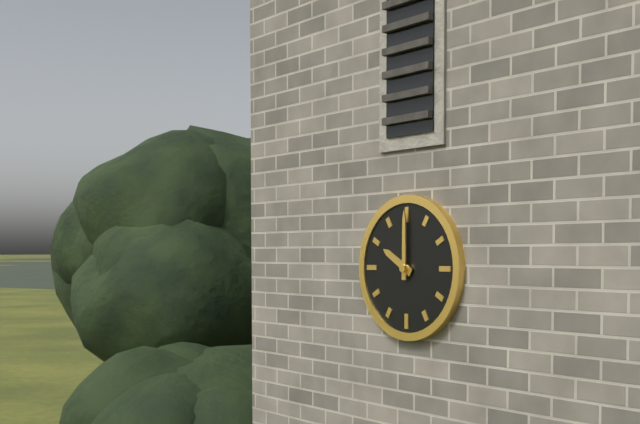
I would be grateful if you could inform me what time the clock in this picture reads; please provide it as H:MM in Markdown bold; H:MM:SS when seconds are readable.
**10:00**
